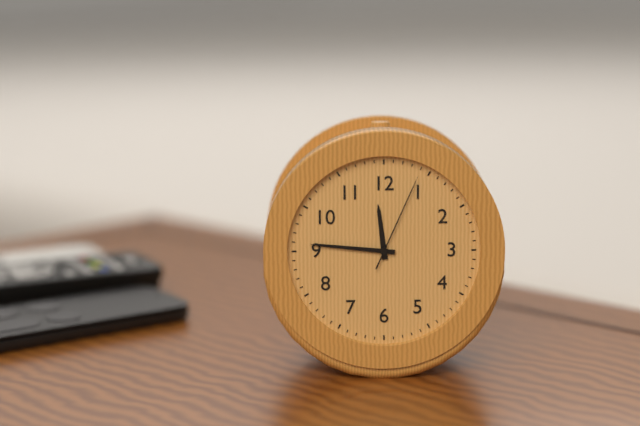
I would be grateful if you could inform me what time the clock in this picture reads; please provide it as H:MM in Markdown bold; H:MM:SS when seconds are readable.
**11:46:04**
